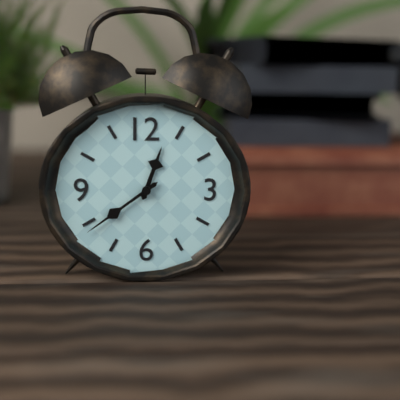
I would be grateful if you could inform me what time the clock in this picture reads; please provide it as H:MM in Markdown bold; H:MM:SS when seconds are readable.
**12:39**
